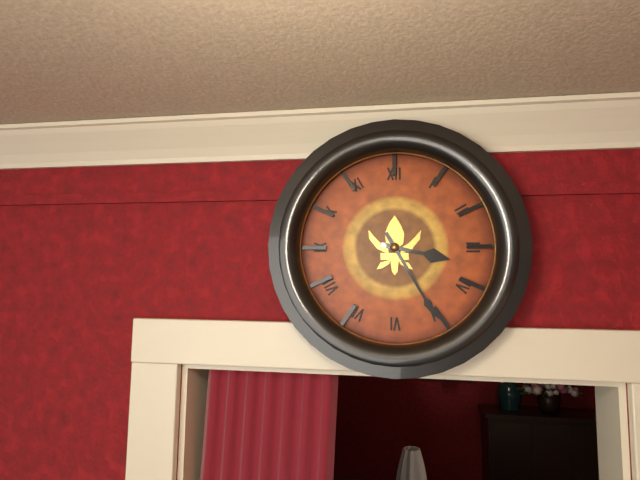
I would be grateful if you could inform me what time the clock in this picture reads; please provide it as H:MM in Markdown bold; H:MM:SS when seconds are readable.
**3:25**
